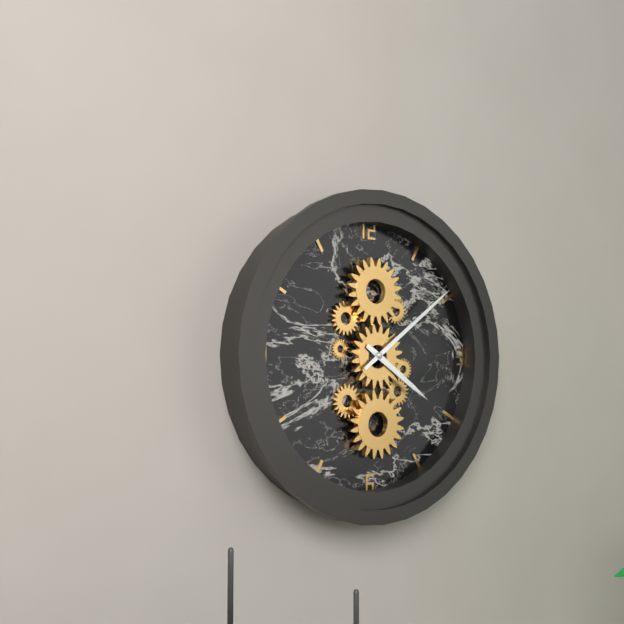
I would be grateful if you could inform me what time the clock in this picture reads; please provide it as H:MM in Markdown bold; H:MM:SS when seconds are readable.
**4:09**
